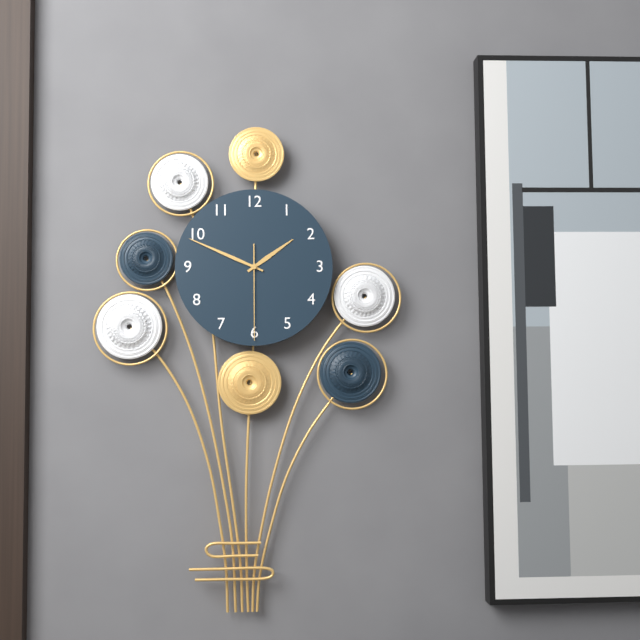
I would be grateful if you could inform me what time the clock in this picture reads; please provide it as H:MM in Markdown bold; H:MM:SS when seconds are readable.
**1:49:30**
